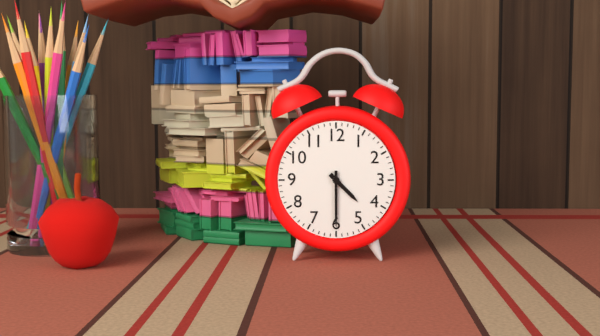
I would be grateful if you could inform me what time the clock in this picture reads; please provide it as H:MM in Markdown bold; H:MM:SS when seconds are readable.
**4:30**
